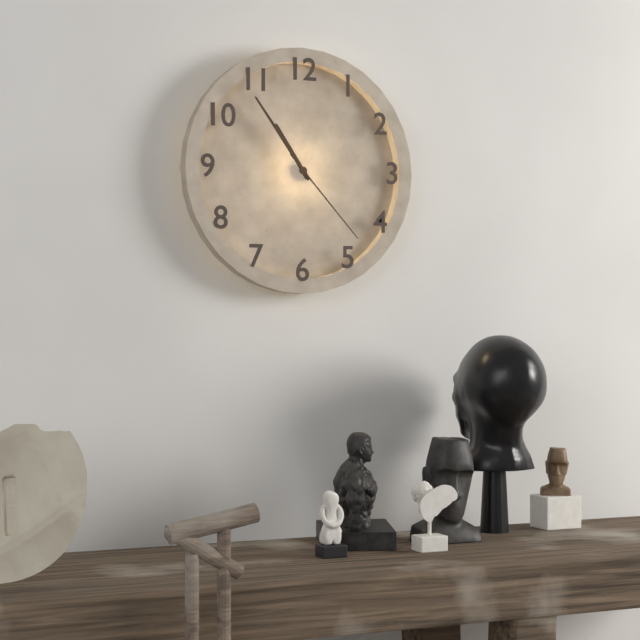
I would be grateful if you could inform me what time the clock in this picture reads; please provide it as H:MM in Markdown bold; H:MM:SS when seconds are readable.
**10:54:23**
